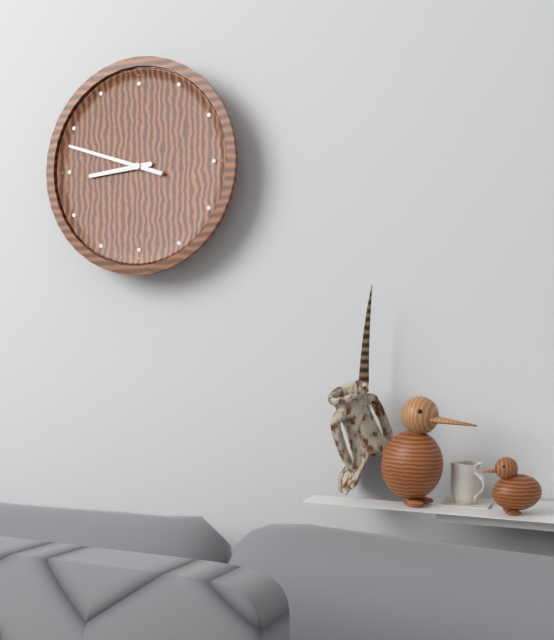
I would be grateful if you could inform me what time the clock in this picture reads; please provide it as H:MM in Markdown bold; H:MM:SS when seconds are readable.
**8:48**
